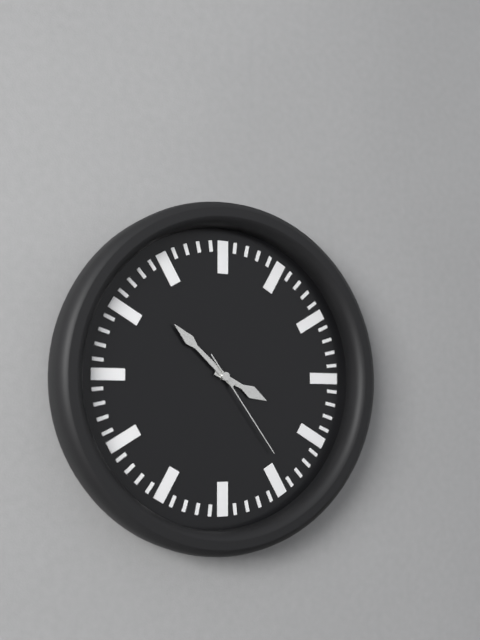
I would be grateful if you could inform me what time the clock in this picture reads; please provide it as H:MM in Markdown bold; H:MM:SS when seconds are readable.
**3:52:24**
